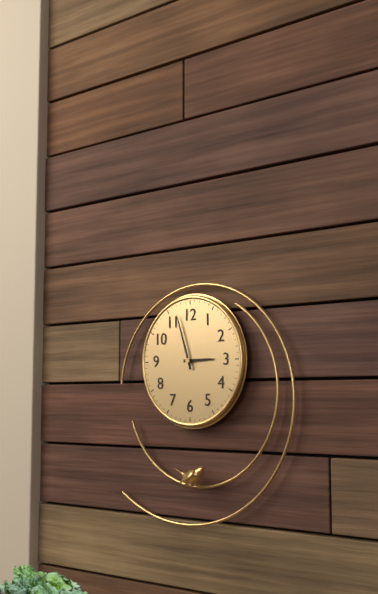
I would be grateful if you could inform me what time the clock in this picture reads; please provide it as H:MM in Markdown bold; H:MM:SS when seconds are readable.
**2:57**
